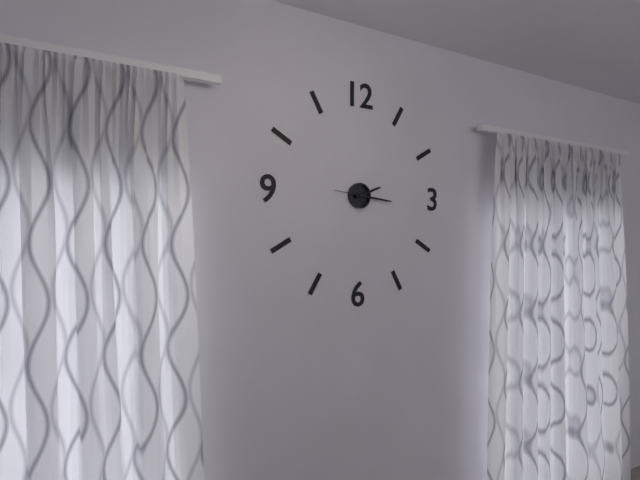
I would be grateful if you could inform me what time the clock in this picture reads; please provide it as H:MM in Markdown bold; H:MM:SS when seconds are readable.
**2:16**
